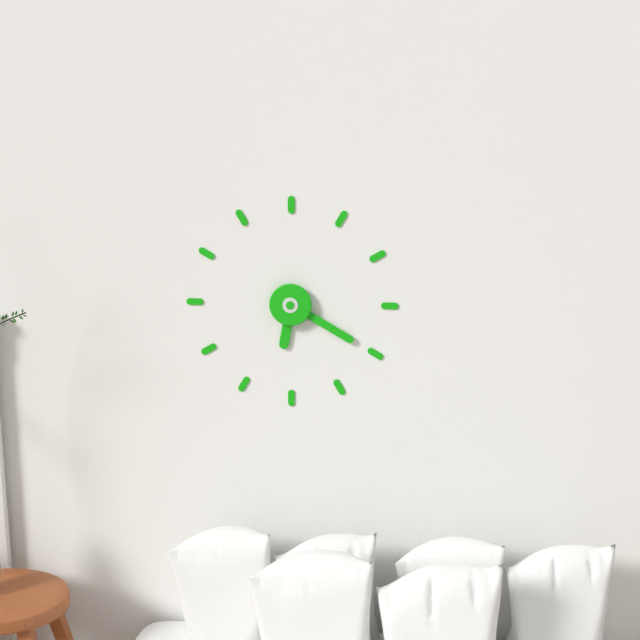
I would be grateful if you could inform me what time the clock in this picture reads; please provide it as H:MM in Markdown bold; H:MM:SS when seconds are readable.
**6:20**
